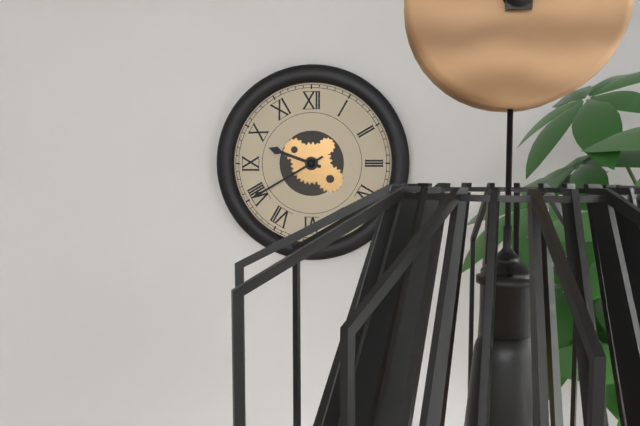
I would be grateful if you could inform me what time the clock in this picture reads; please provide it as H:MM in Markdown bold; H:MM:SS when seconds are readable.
**9:40**
